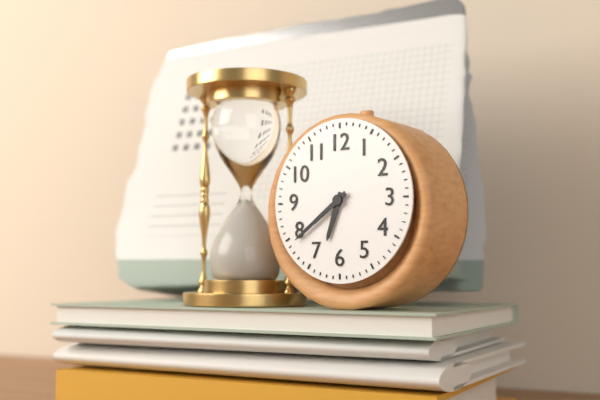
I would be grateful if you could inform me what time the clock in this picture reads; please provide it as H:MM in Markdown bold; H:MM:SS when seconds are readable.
**6:39**
